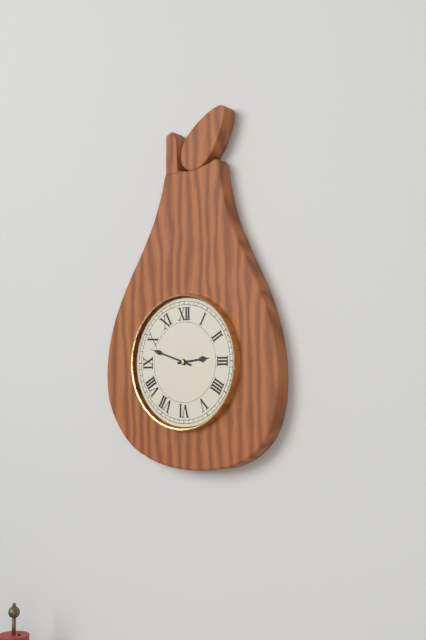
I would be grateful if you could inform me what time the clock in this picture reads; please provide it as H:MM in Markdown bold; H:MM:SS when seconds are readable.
**2:48**
